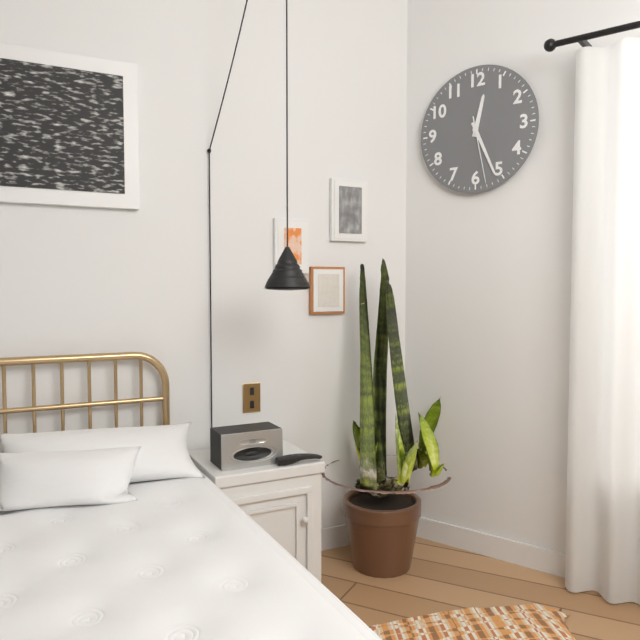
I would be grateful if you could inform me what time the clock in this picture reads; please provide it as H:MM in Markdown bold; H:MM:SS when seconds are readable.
**12:26:28**
